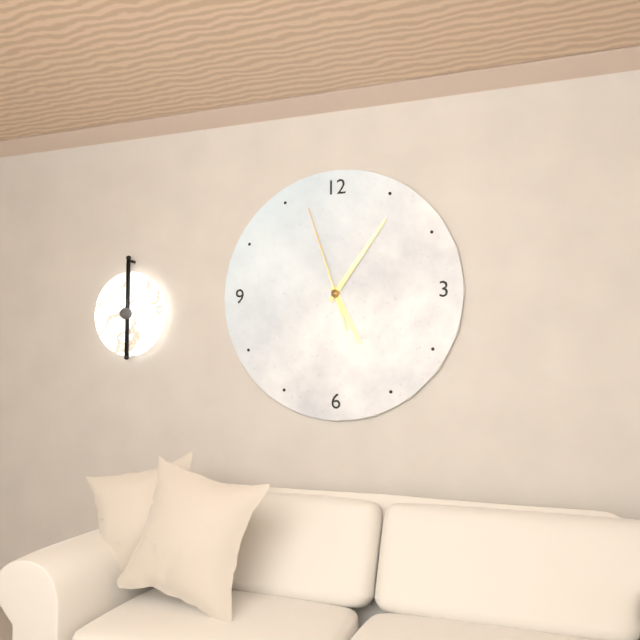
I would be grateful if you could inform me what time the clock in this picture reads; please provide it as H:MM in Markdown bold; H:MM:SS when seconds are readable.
**5:06:57**
